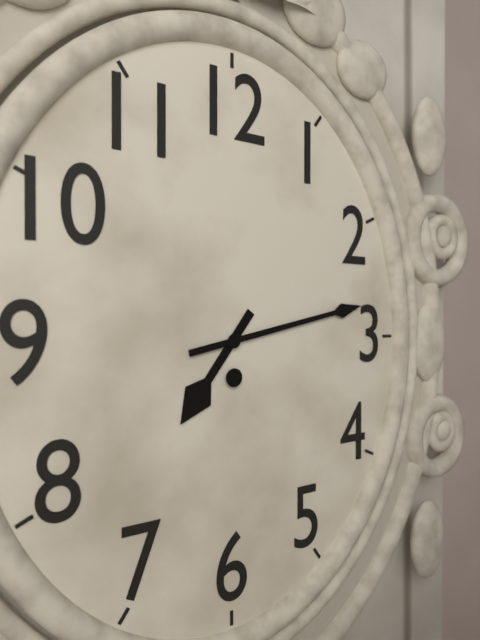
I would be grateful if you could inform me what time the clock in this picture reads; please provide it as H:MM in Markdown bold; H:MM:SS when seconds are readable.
**7:13**
